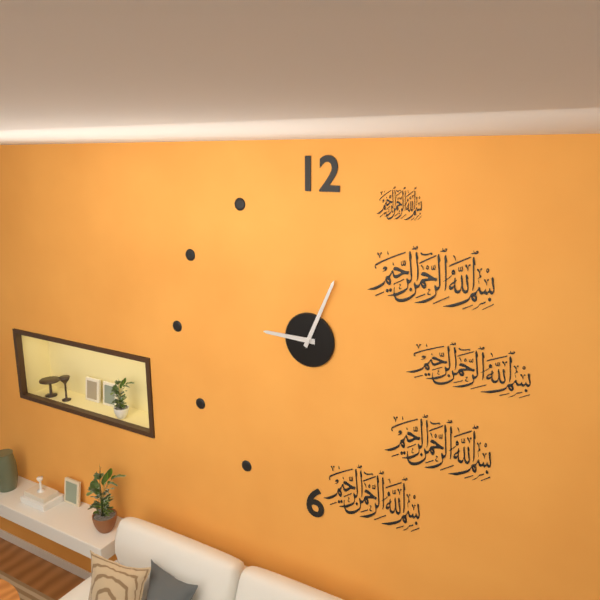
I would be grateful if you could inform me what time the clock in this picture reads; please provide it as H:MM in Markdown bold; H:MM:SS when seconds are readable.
**9:04**
